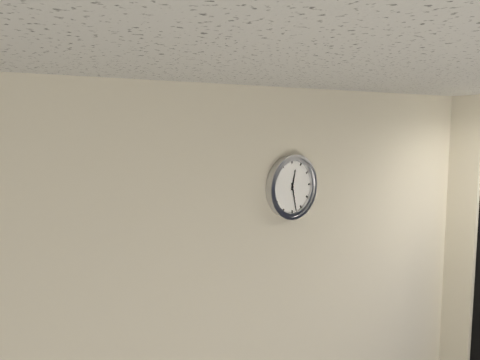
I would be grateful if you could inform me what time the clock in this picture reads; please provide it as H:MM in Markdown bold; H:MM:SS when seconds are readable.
**12:28**
